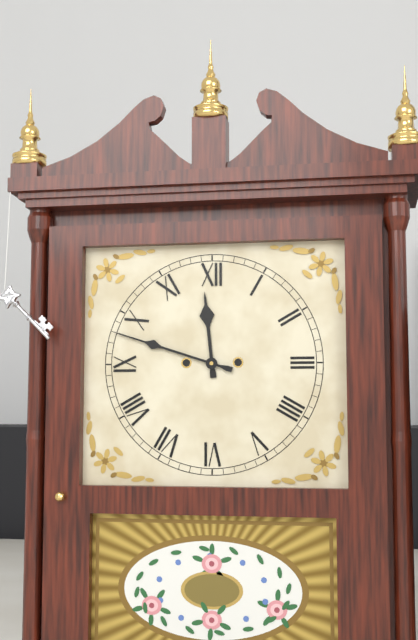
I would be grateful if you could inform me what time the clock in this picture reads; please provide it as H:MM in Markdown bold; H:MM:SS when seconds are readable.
**11:48**
